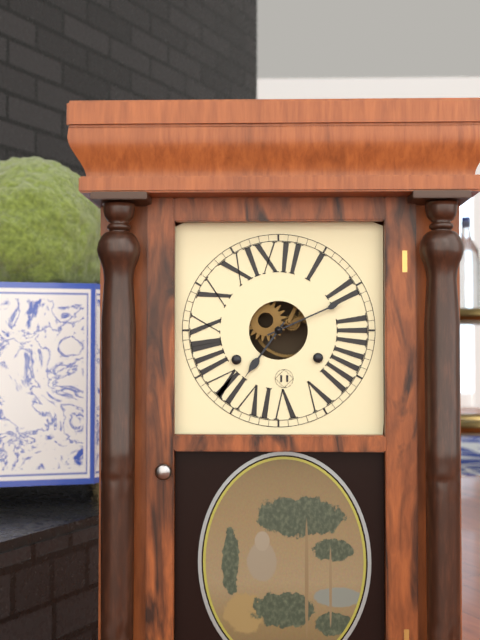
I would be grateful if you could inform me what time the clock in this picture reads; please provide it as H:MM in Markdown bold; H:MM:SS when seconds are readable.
**7:11**
